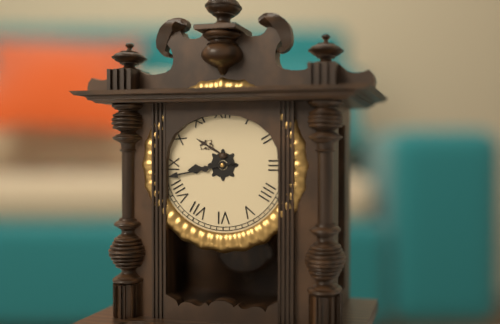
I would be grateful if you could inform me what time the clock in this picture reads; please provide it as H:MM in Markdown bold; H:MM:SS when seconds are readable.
**8:43**
